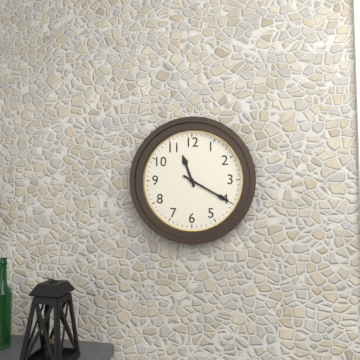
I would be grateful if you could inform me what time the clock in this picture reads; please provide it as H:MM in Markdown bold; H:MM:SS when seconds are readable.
**11:20**
